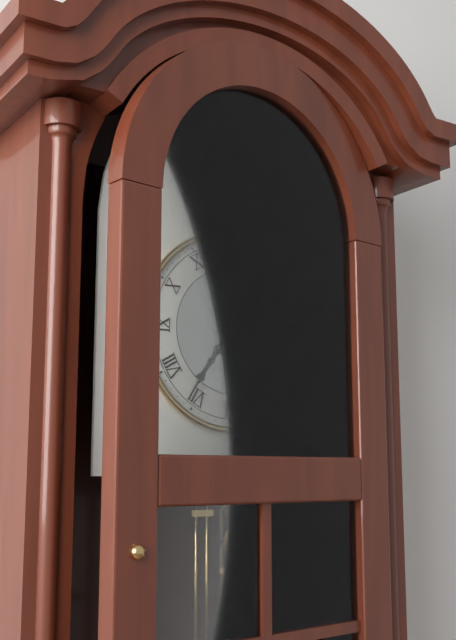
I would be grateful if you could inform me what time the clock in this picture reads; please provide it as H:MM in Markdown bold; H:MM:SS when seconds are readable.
**3:36**
